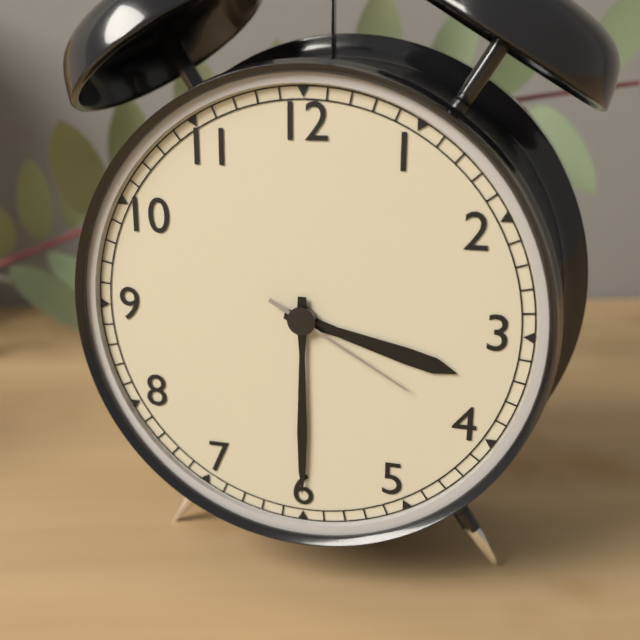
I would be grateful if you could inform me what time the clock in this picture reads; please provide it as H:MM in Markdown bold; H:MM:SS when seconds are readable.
**3:30:20**
